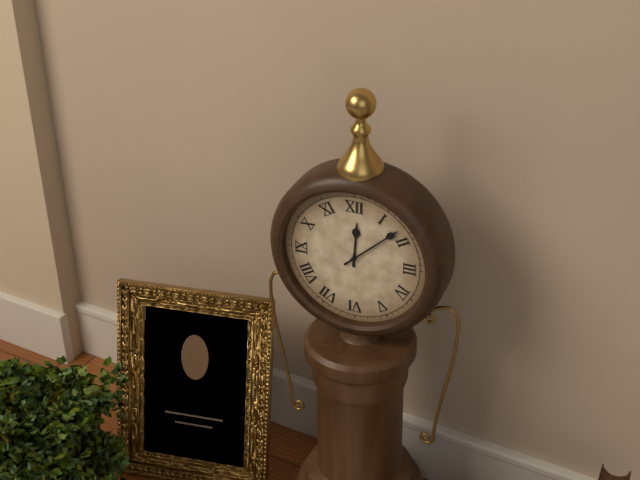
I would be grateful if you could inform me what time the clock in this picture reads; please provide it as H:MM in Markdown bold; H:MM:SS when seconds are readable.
**12:08**
